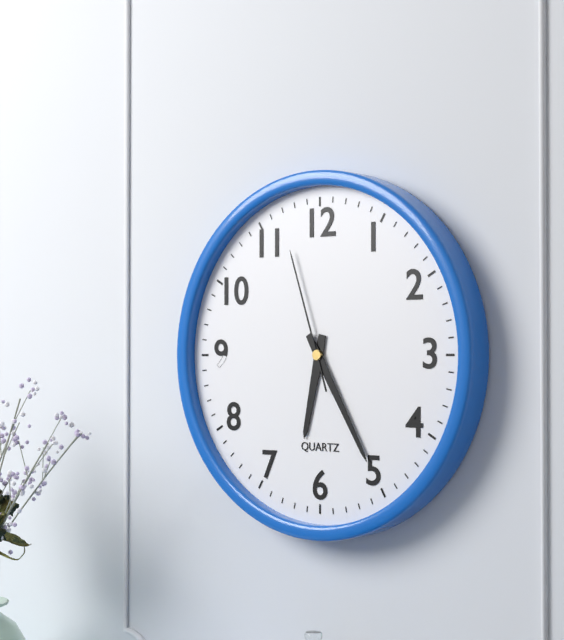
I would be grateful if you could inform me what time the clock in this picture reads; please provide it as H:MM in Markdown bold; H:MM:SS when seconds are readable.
**6:25:57**
